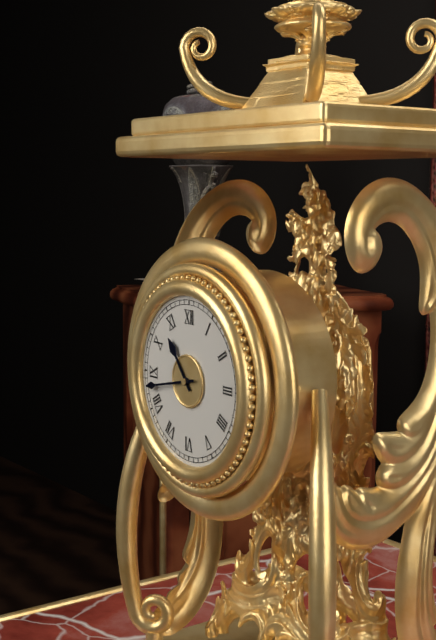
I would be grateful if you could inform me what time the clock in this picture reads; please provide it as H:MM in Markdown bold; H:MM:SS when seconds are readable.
**10:43**
